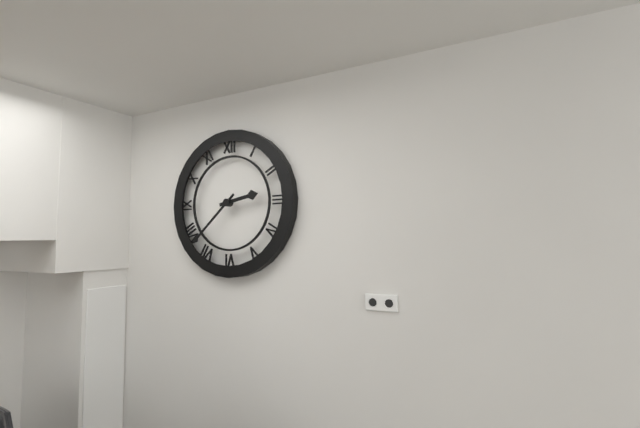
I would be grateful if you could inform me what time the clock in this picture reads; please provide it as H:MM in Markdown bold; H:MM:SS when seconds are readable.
**2:38**
